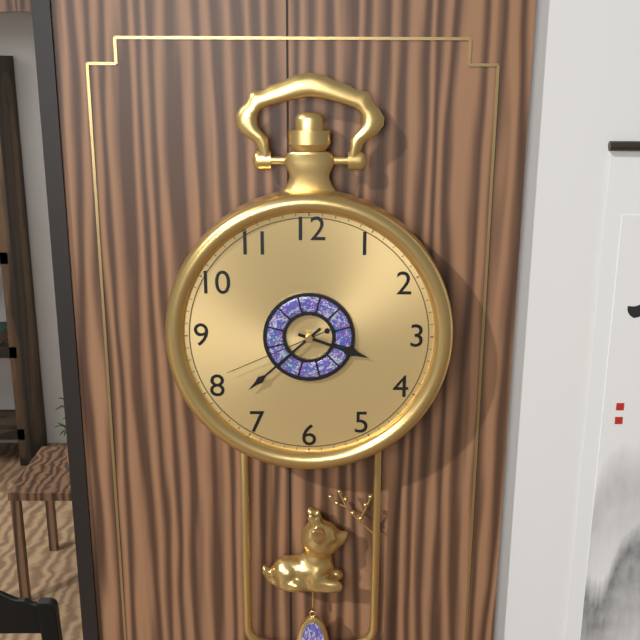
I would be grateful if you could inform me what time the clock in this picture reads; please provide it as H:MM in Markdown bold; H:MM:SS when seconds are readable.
**3:38:41**
